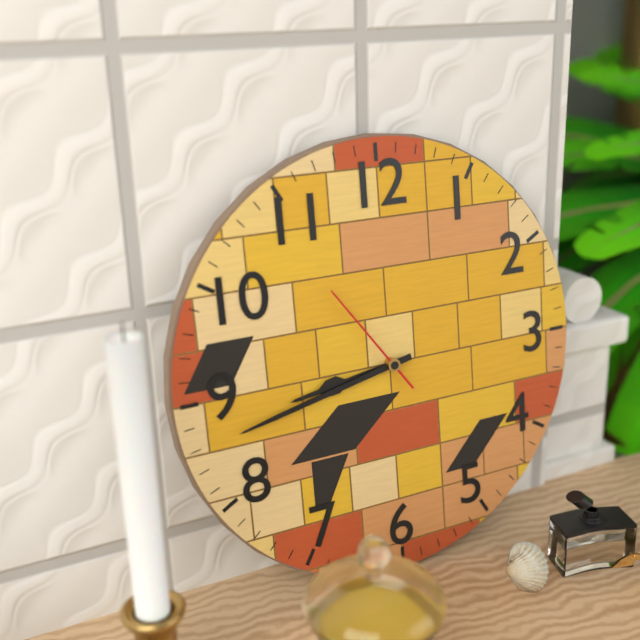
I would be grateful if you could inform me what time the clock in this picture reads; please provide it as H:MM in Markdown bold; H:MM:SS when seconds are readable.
**8:43:54**
